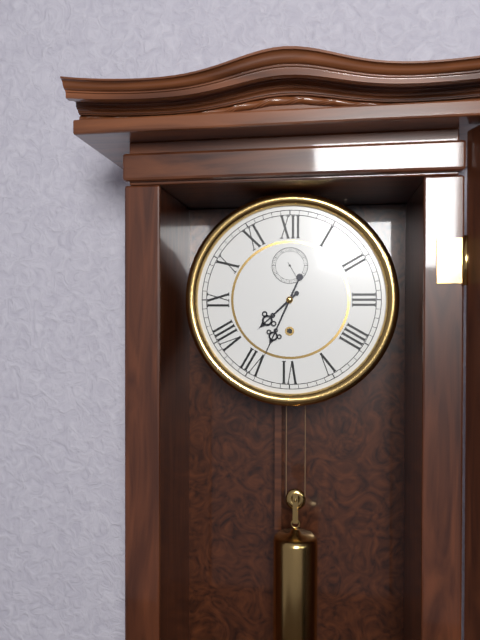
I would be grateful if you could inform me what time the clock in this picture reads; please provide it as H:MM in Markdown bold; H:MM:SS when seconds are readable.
**7:34**
